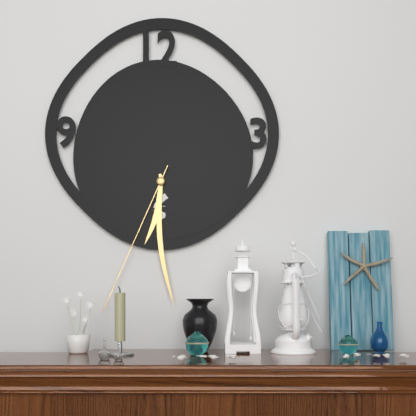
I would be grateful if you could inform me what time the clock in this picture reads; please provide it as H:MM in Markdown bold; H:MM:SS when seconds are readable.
**6:29:34**
